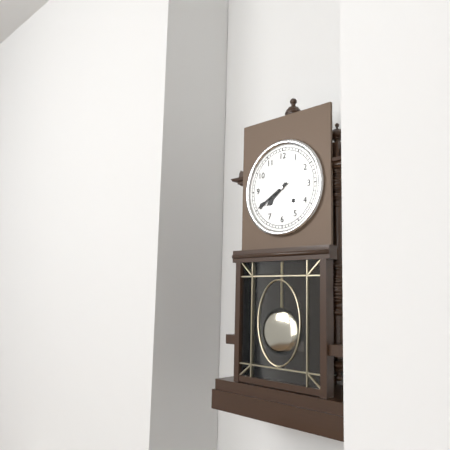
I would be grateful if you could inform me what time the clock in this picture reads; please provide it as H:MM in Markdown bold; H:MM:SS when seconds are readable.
**7:40**
